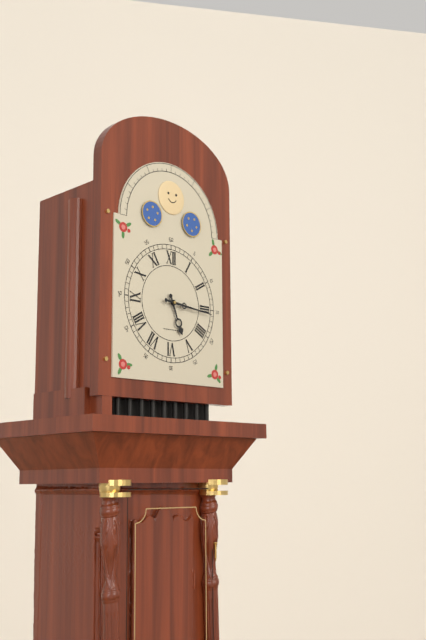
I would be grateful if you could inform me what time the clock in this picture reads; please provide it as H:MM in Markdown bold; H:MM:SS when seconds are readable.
**5:16**
